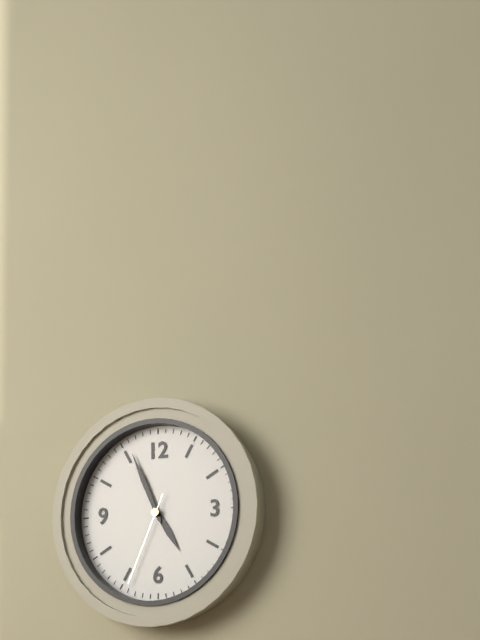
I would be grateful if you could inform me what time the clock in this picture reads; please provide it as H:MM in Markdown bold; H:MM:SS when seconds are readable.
**4:56:34**
